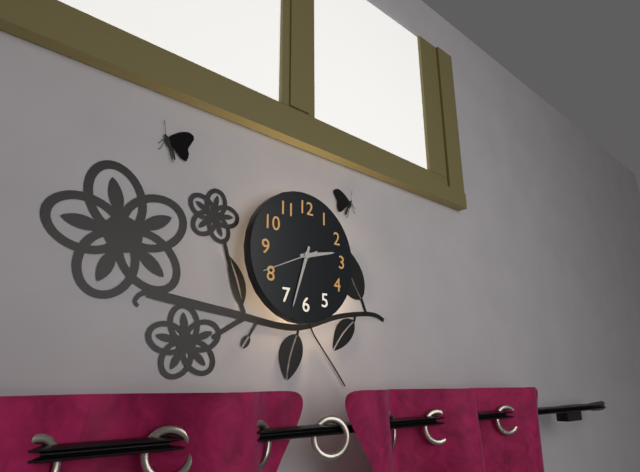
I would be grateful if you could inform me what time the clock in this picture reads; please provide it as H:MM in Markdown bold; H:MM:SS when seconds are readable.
**2:33:41**
